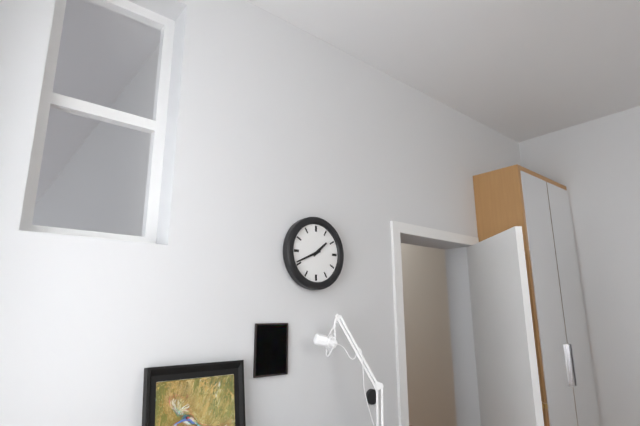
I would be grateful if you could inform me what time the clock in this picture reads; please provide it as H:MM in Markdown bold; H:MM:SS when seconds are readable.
**1:41**
